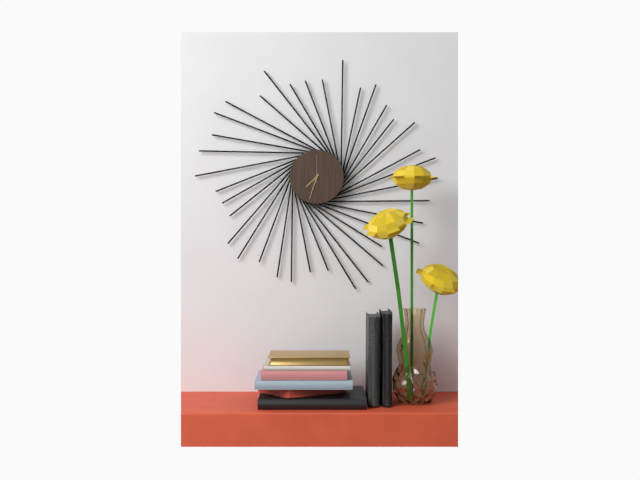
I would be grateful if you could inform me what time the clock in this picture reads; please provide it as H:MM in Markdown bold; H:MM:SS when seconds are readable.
**7:33**
